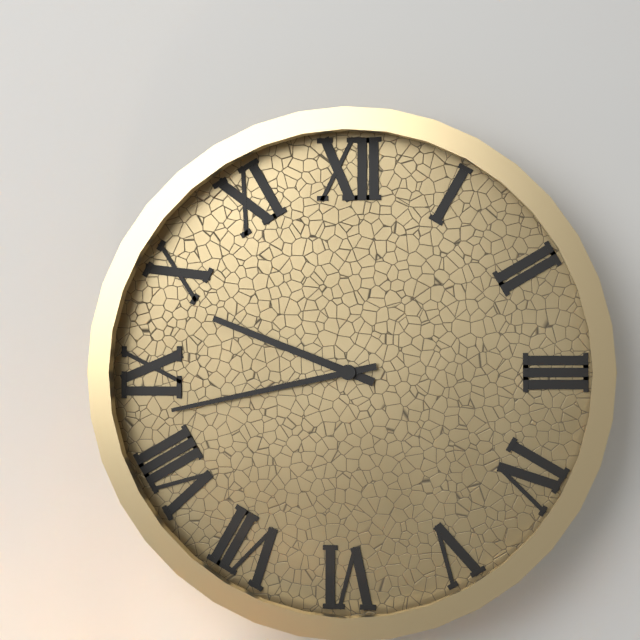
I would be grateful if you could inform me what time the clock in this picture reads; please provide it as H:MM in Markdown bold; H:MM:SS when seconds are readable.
**9:43**
